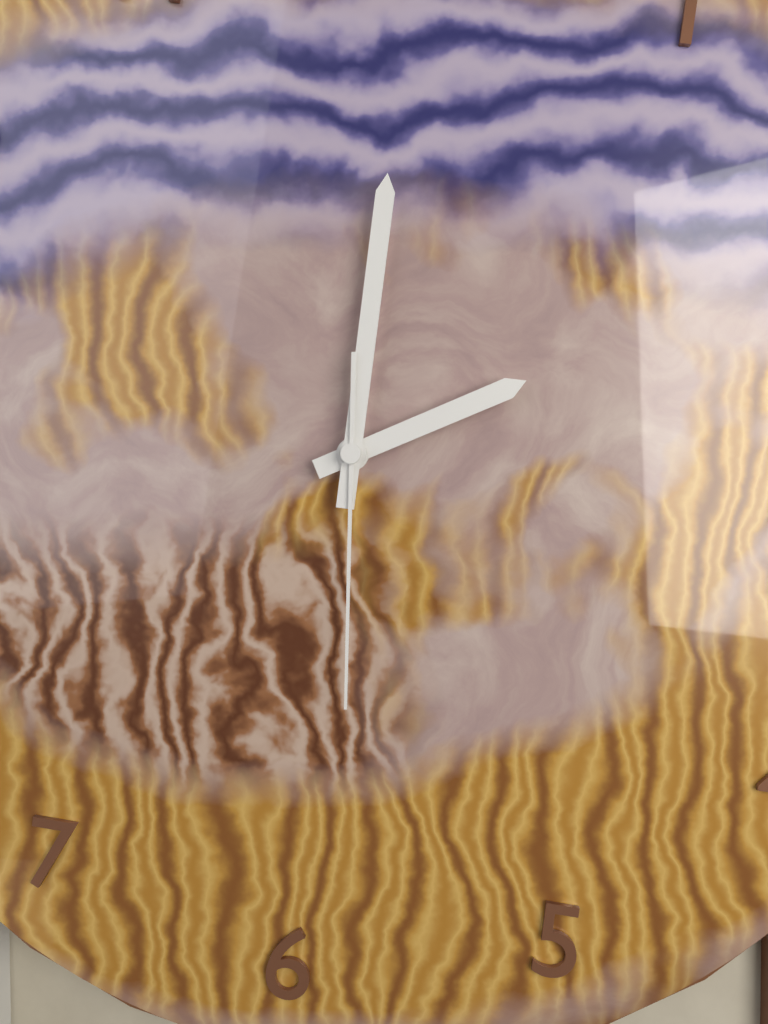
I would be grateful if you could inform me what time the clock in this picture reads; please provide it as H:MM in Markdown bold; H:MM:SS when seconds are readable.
**2:00:29**
